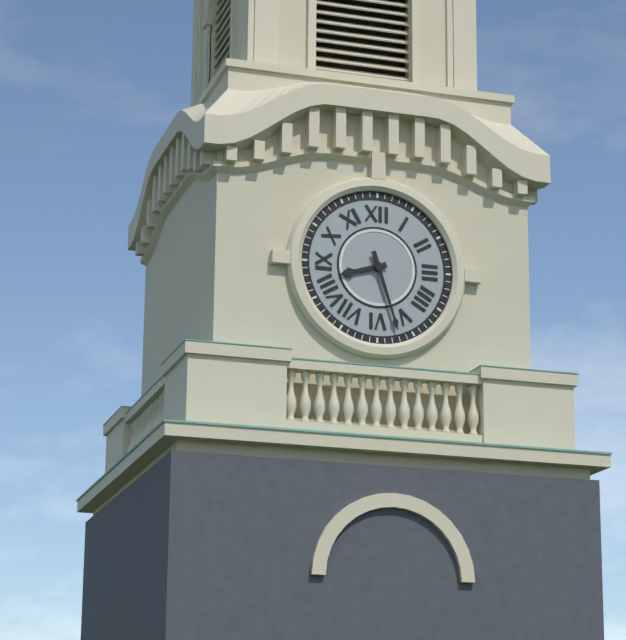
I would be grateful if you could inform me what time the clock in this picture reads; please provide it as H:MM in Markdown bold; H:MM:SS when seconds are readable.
**8:27**
